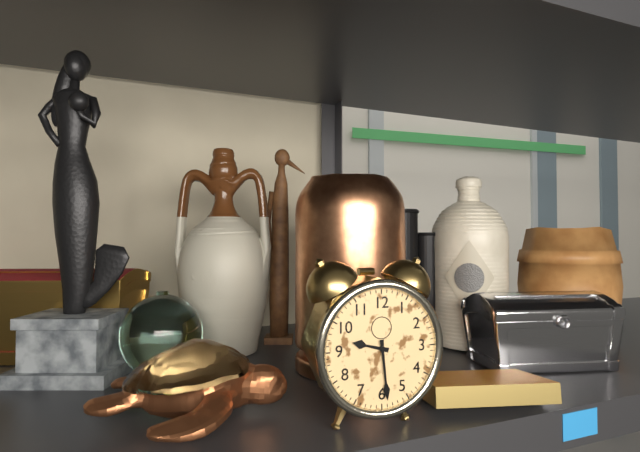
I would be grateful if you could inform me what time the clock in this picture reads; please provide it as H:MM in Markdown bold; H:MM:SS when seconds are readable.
**9:29**
